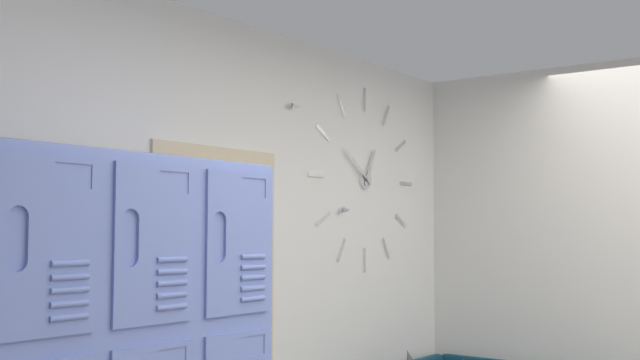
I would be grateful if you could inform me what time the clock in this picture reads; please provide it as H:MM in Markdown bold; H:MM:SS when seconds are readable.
**12:51**
